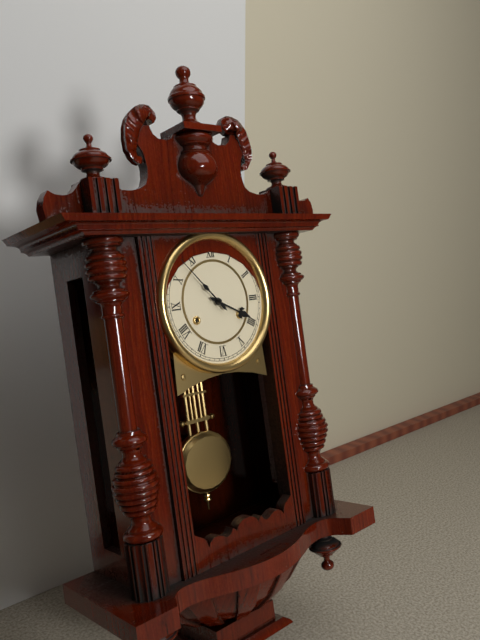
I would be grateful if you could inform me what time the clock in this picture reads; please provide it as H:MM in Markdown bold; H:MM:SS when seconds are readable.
**3:53**
